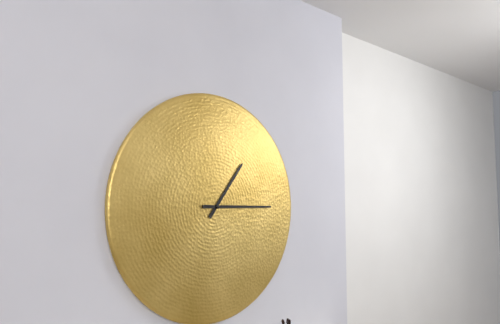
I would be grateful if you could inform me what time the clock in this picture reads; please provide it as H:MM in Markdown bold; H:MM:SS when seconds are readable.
**1:15**
